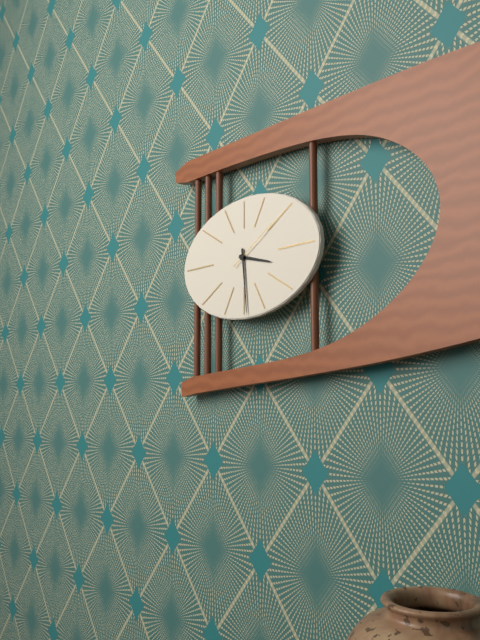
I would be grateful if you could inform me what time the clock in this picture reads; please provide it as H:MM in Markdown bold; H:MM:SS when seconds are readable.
**3:29:10**
